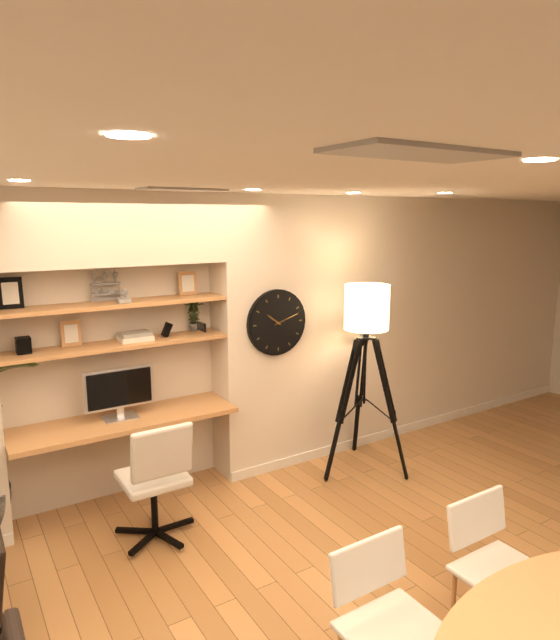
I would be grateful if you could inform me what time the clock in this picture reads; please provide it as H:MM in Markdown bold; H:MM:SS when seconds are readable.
**10:12**
